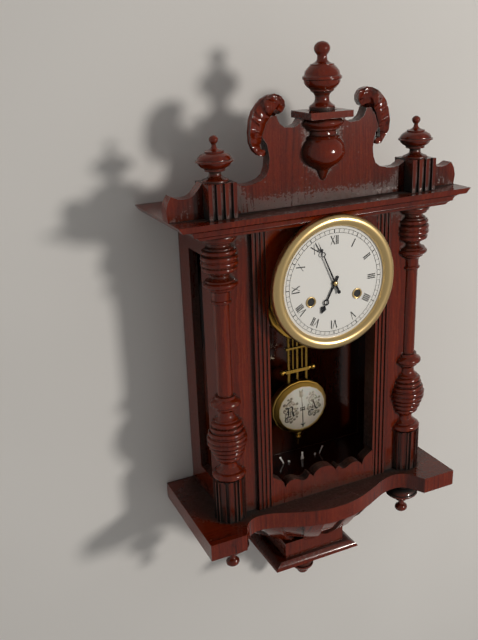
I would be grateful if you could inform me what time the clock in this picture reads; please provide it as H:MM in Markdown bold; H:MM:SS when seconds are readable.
**6:56**
